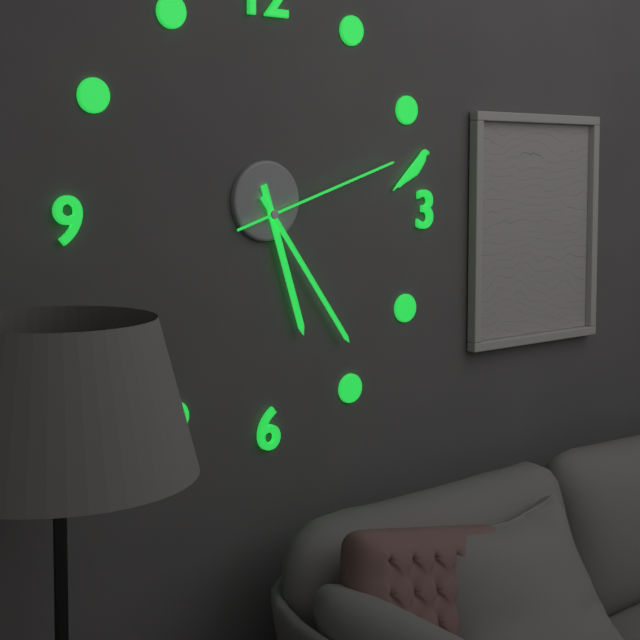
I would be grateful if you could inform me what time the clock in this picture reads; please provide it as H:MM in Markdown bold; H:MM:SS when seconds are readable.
**5:24:12**
